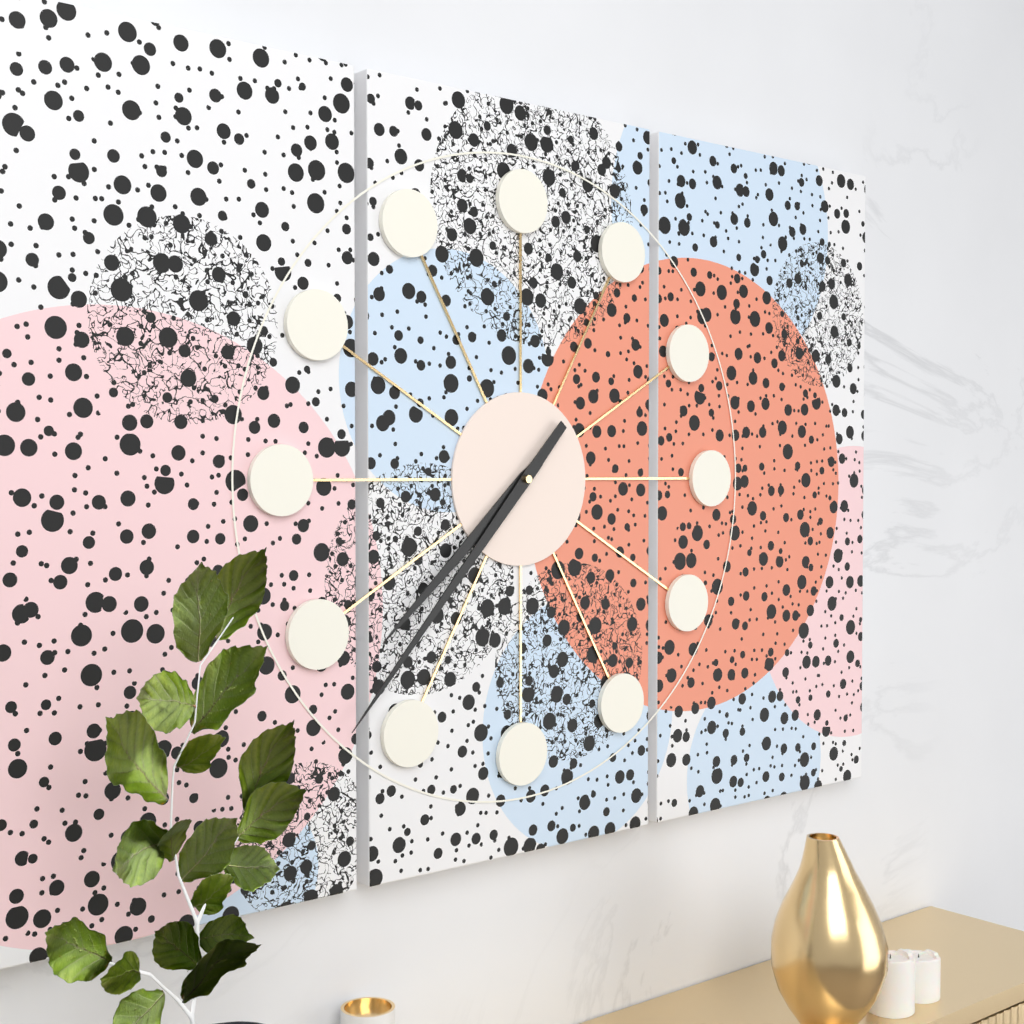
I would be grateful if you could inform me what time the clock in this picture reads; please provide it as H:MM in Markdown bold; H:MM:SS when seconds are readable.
**7:37**
